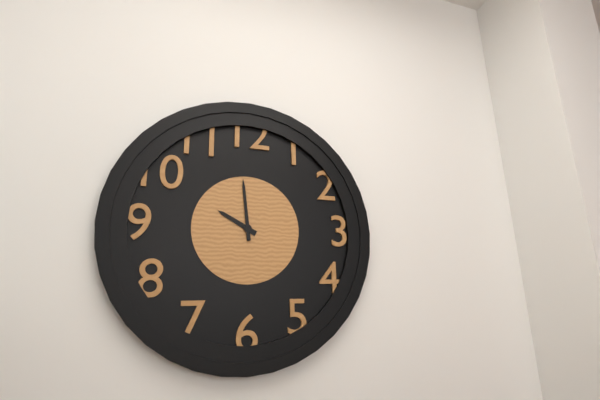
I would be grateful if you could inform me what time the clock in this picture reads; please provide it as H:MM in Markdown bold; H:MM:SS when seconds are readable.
**9:59**
